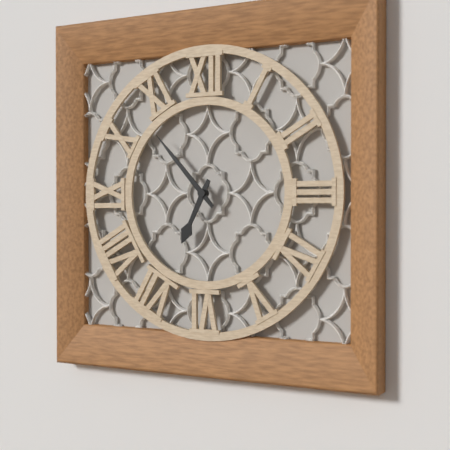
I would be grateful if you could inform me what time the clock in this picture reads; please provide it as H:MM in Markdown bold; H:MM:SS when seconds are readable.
**6:53**
